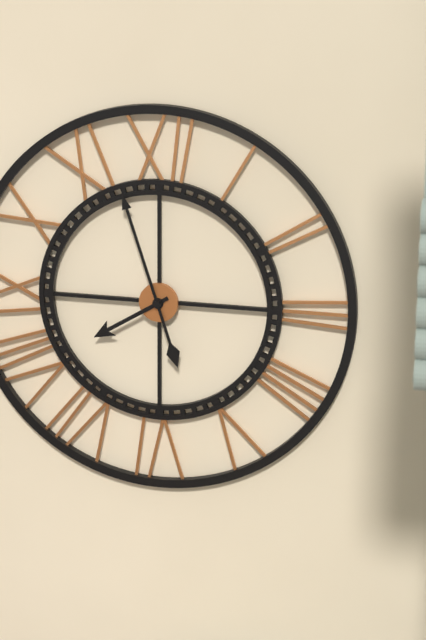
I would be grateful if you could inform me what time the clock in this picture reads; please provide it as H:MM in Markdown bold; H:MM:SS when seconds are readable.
**7:57**
